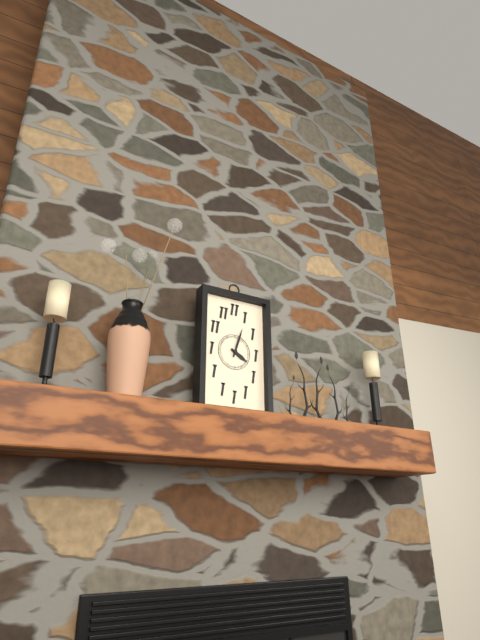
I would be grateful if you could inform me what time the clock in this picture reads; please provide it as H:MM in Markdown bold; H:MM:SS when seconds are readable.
**4:03**
